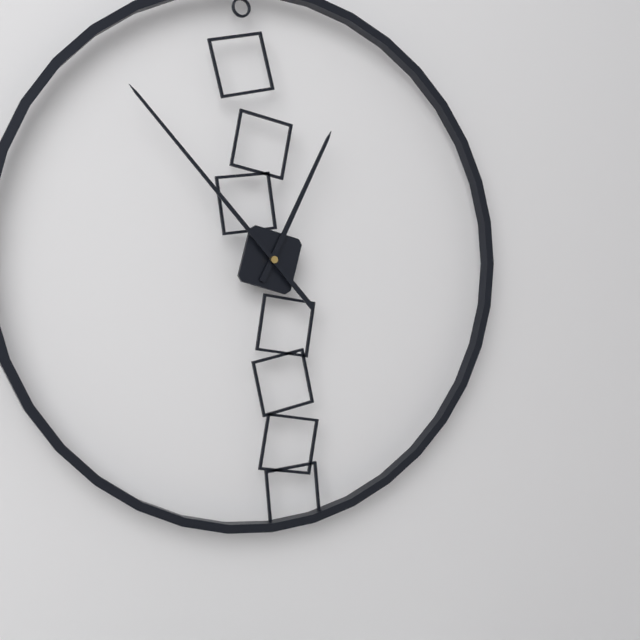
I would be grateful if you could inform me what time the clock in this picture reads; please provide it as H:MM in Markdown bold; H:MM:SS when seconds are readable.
**12:53**
